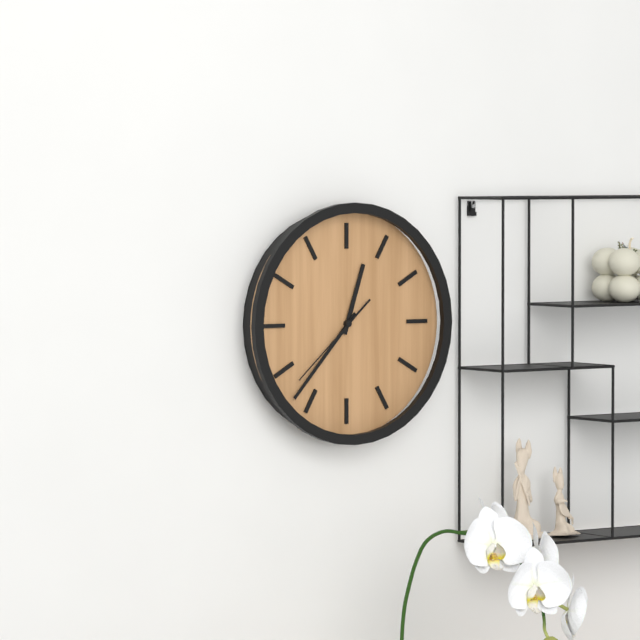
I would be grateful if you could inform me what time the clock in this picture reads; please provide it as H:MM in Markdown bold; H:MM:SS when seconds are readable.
**12:37:38**
